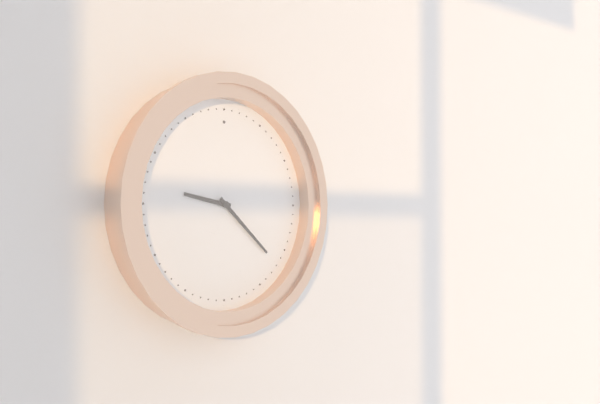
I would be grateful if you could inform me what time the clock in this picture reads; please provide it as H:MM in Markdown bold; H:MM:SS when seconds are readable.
**9:22**
